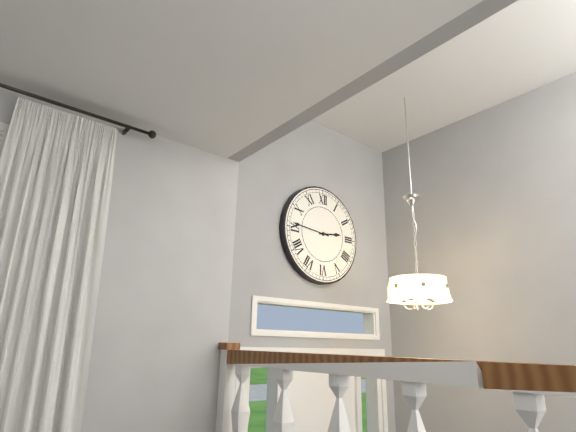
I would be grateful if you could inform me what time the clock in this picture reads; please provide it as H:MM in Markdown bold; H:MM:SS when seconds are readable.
**2:46**
